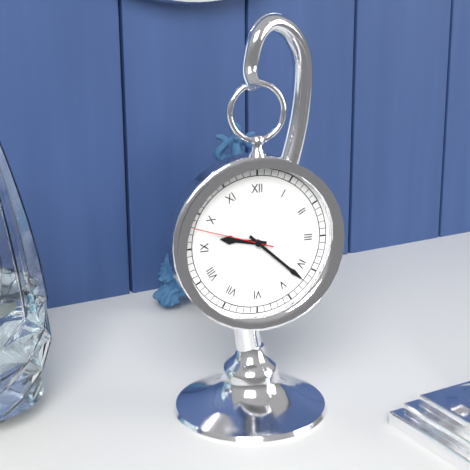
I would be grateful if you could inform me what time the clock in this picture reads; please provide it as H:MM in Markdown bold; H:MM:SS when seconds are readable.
**9:22:48**
